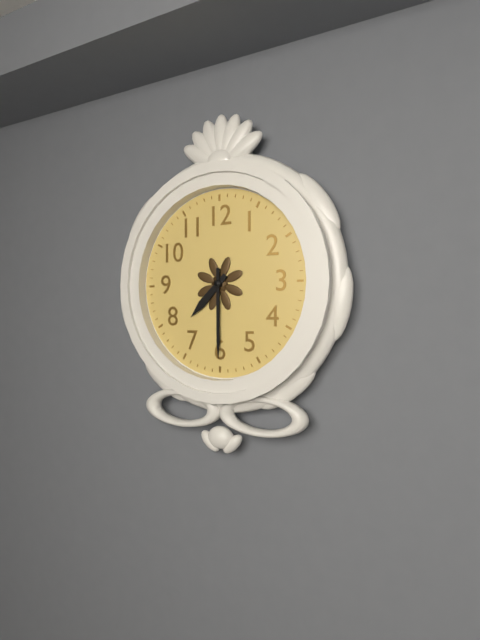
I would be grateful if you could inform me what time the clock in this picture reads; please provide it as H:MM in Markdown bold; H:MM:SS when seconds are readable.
**7:30**
